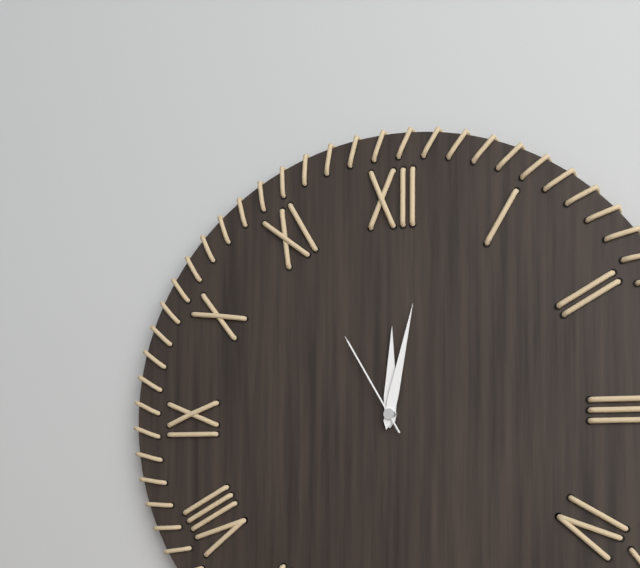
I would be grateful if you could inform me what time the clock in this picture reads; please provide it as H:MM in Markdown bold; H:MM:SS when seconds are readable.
**12:02:55**
